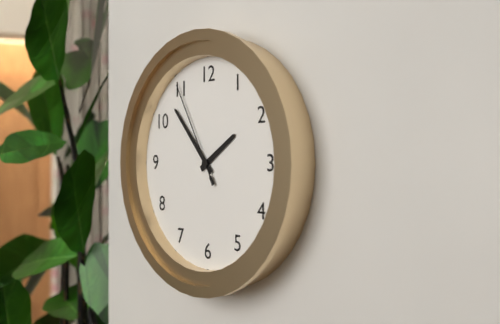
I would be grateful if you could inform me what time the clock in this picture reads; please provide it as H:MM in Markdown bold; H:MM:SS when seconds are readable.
**1:53:55**
